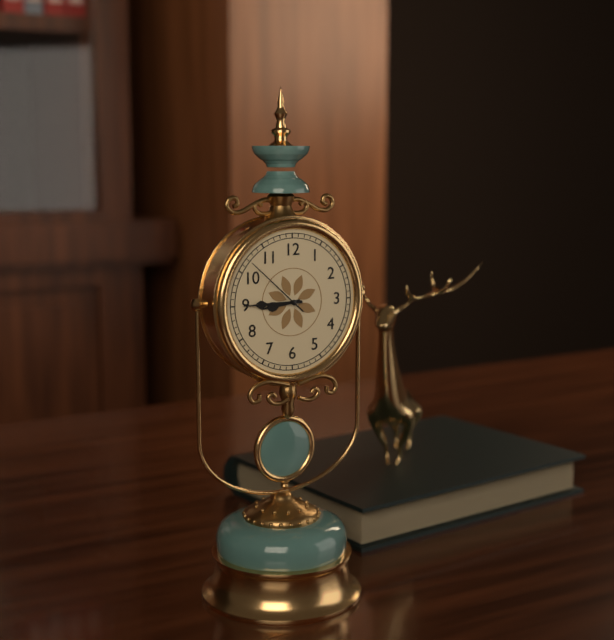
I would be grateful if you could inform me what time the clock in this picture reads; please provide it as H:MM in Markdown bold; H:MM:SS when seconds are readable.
**8:45:52**
